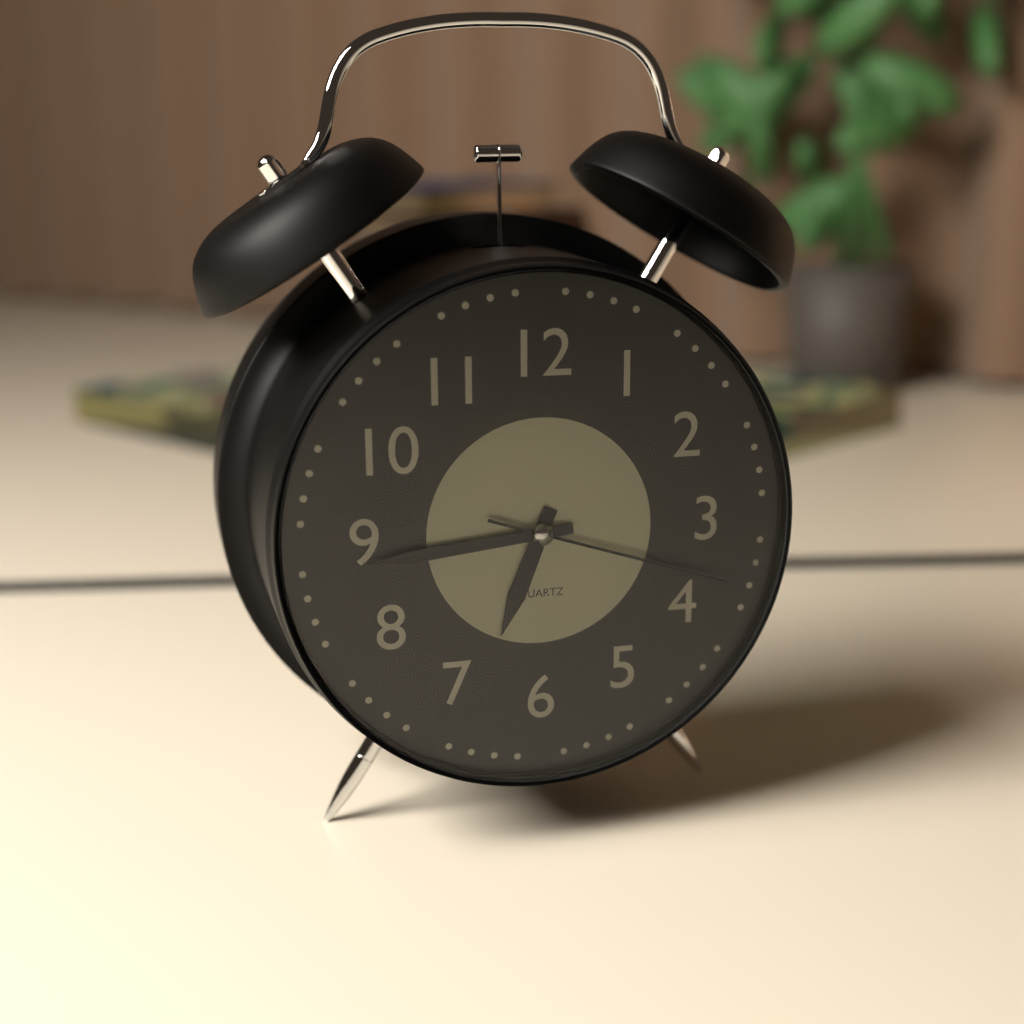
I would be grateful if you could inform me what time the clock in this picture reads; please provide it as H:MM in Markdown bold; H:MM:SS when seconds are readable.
**6:44:18**
